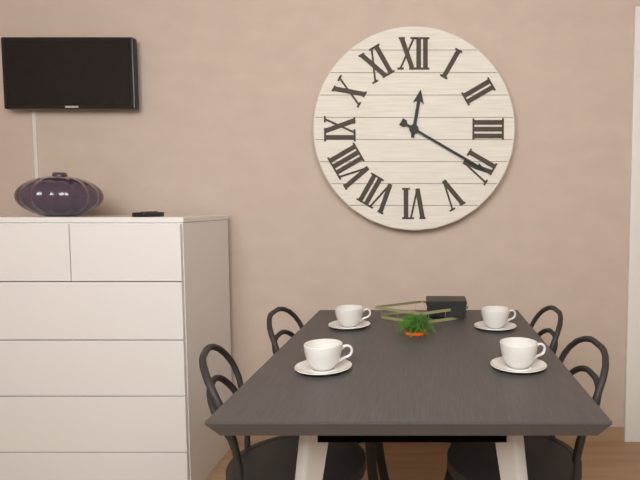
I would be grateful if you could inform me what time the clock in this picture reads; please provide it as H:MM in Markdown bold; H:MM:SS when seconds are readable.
**12:20**
